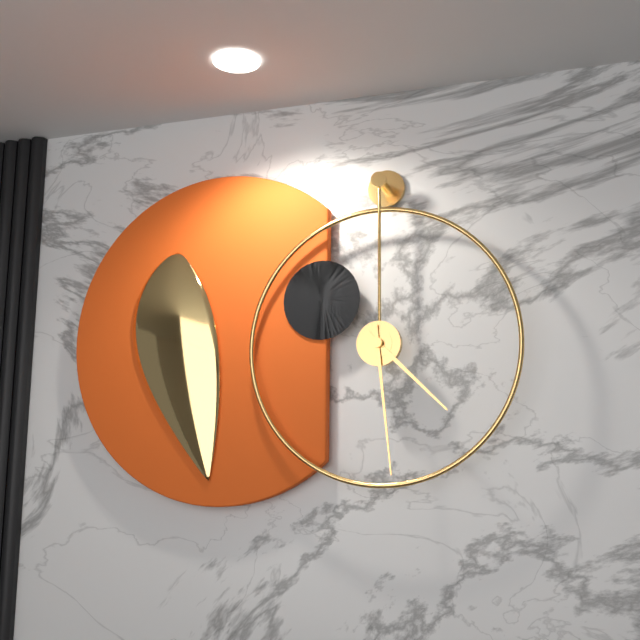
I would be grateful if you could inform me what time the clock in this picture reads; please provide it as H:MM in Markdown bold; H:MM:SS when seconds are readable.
**4:29**
